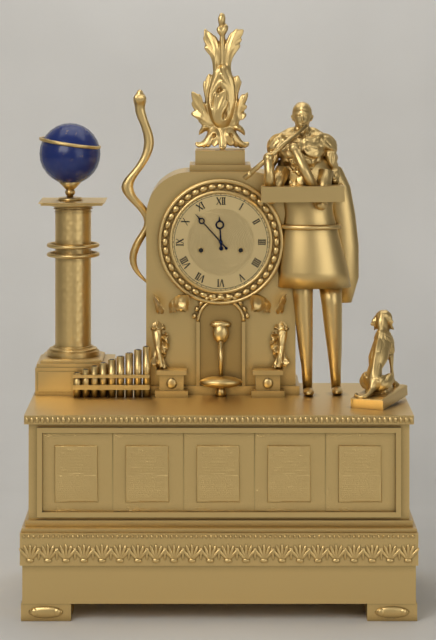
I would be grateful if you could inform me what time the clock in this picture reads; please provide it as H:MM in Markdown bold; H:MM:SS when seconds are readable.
**11:53**
